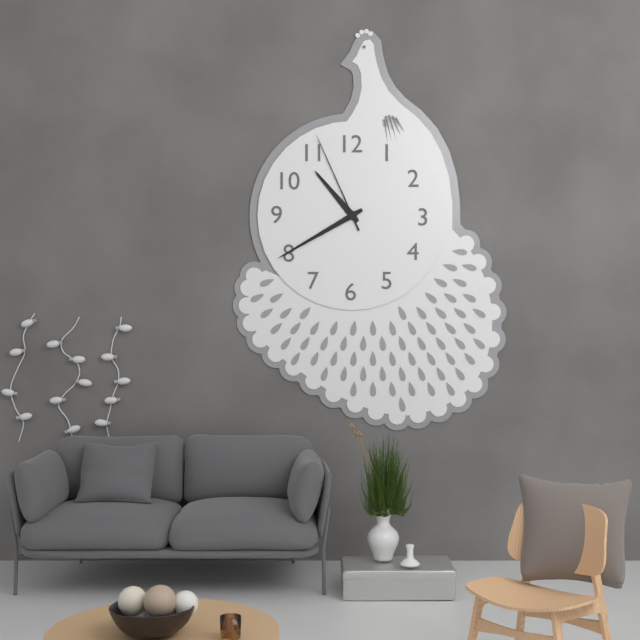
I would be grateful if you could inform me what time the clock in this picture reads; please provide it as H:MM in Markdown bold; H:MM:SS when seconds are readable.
**10:40:56**
